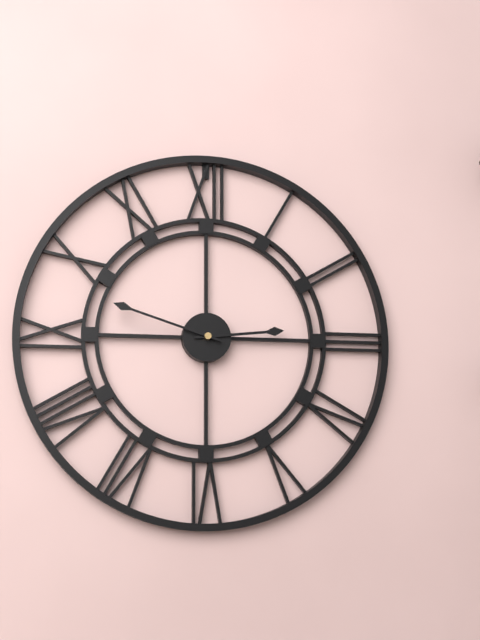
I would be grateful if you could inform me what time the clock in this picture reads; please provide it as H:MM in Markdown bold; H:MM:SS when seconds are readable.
**2:48**
